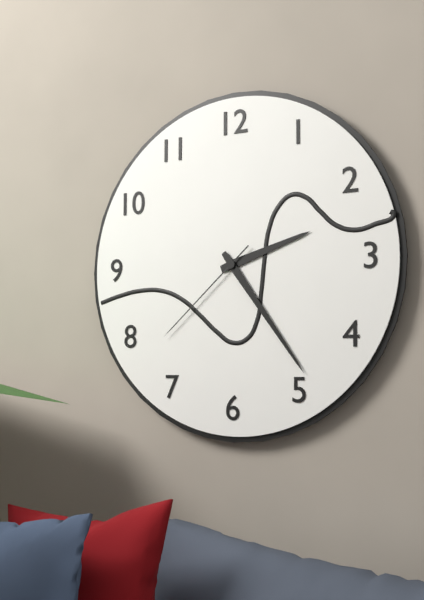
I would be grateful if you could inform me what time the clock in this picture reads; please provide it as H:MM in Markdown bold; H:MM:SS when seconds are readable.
**2:24:38**
